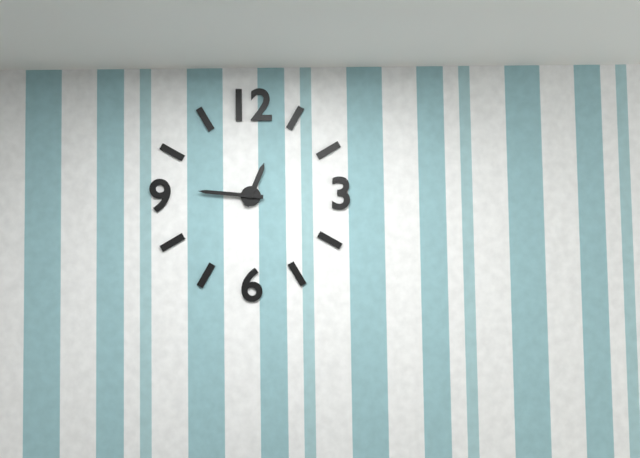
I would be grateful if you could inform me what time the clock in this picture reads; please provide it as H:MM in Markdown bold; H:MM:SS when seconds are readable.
**12:46**
